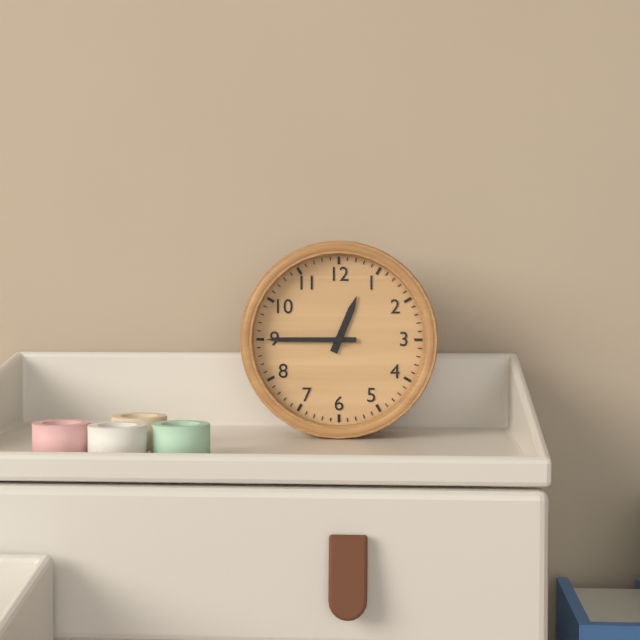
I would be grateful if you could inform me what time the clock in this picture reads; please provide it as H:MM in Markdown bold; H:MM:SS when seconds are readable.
**12:45**
